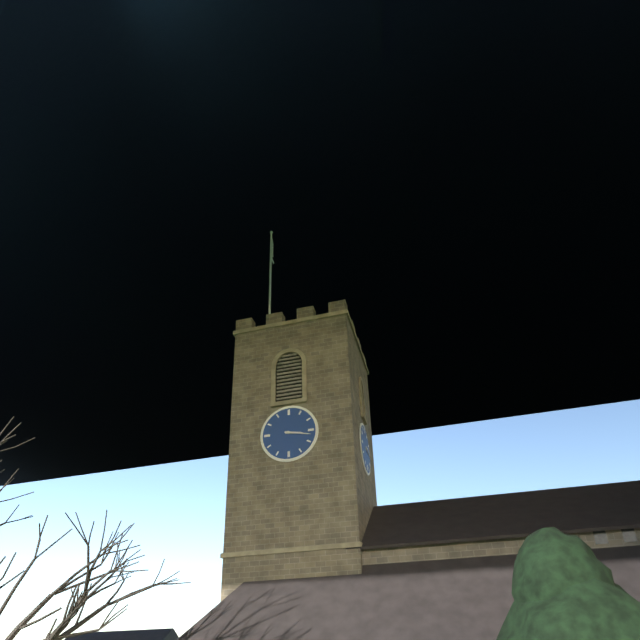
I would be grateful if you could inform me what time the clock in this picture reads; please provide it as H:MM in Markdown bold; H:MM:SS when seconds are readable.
**3:17**
